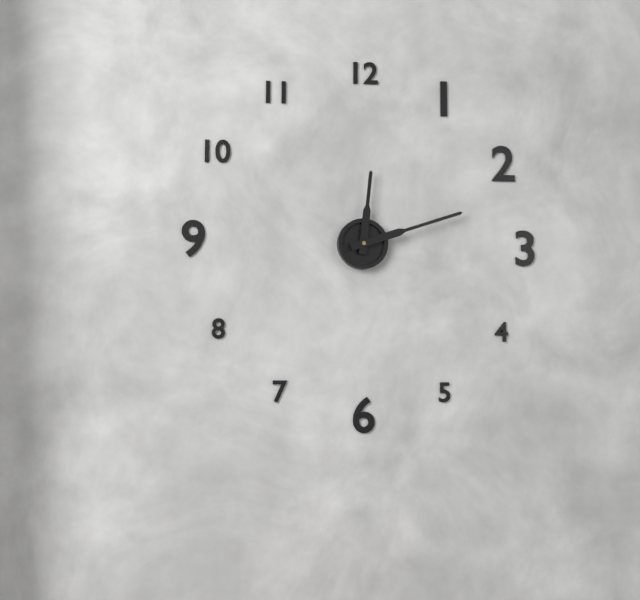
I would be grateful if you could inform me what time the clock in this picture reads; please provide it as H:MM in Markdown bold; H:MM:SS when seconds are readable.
**12:12**
